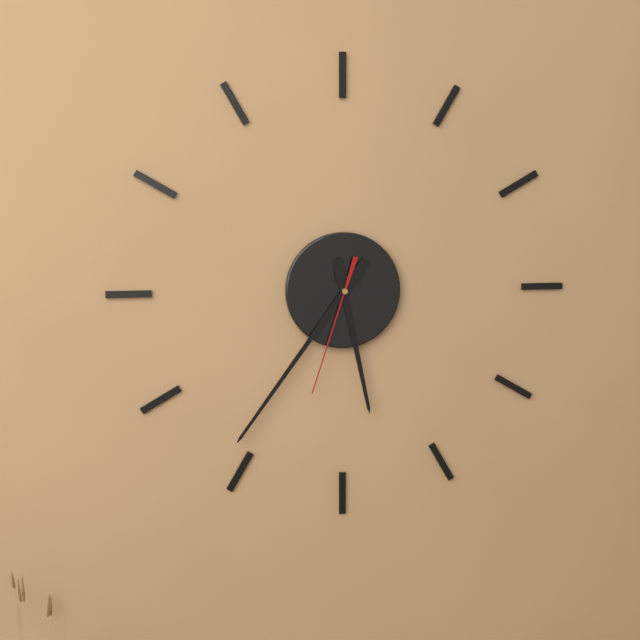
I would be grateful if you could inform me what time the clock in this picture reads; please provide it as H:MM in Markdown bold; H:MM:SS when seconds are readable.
**5:36:33**
